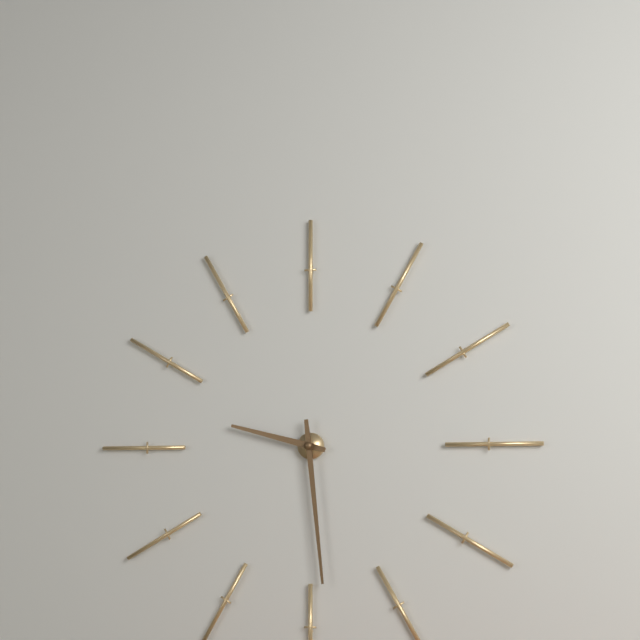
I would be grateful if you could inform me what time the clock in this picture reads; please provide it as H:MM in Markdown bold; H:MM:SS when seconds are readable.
**9:29**
